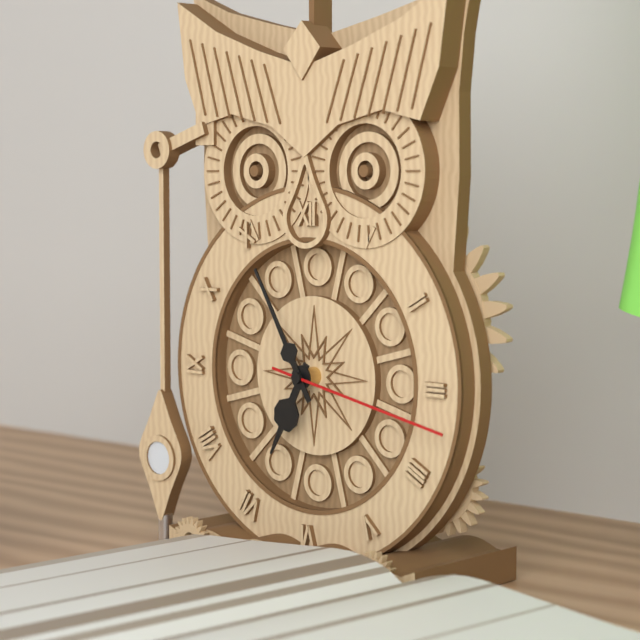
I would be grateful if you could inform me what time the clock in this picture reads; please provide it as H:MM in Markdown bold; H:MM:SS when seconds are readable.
**6:55:17**
